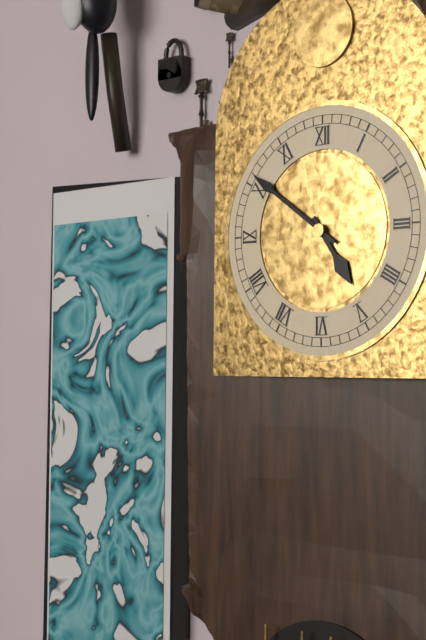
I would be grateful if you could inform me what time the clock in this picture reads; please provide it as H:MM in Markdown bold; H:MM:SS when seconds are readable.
**4:51**
